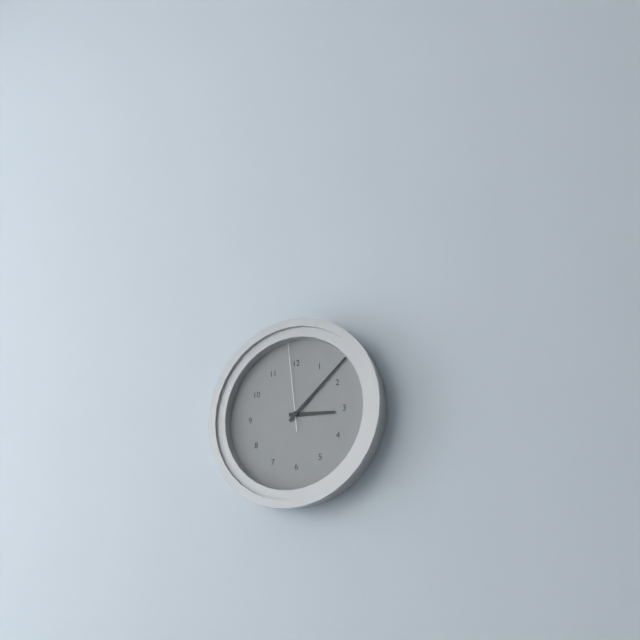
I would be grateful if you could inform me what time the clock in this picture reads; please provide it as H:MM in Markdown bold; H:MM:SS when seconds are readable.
**3:08:59**
